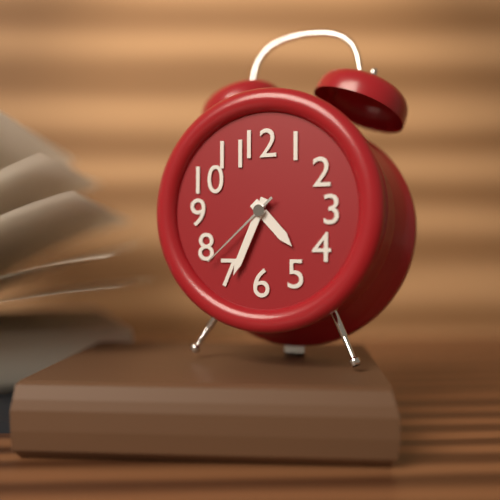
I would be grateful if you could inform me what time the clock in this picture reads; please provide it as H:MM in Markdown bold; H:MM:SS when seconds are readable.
**4:34:38**
